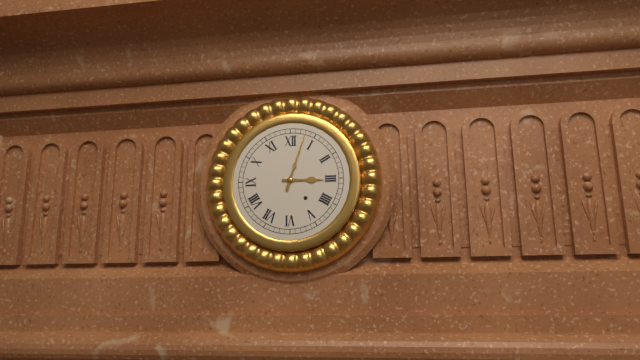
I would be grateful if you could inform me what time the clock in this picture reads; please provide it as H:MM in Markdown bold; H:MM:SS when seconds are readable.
**3:03**
